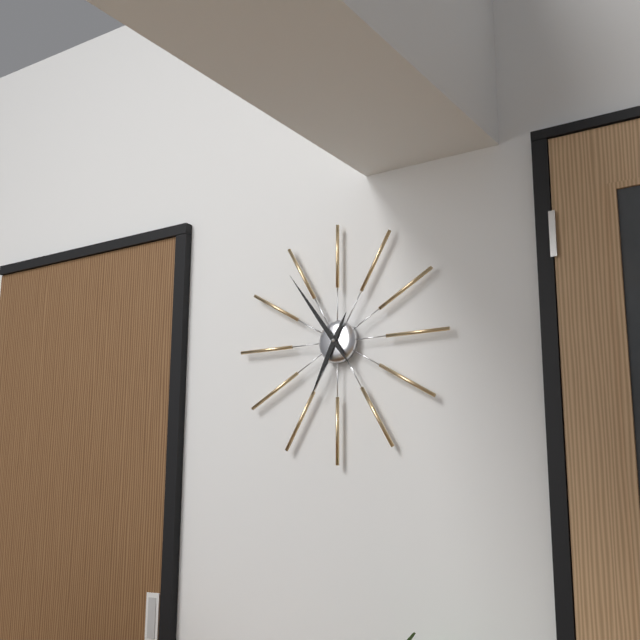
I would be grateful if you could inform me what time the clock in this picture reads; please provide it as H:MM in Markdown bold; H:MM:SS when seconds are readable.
**6:54**
